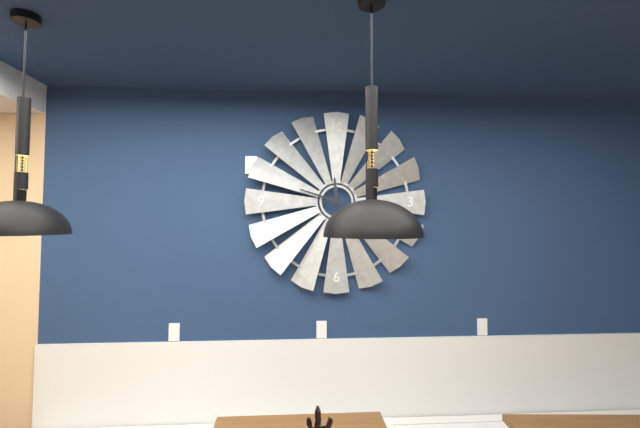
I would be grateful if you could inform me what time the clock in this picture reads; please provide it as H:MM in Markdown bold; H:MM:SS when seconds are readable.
**11:48**
